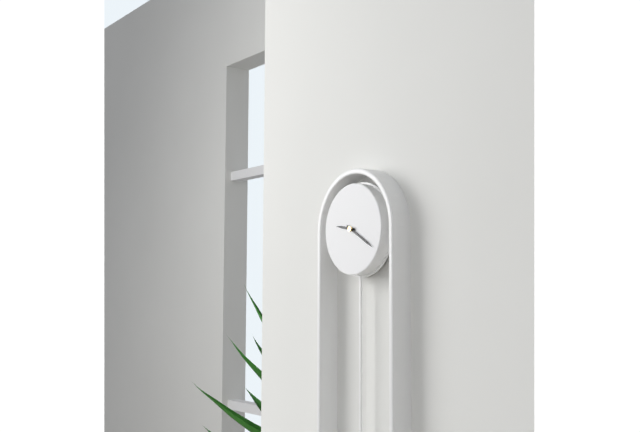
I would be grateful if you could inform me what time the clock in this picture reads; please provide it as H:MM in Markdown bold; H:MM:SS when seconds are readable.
**9:20**
